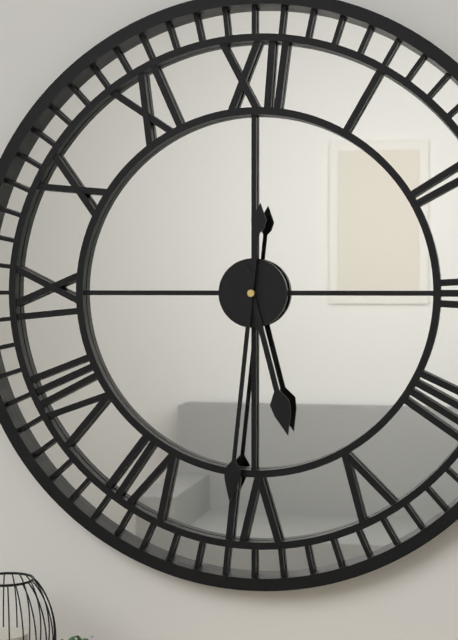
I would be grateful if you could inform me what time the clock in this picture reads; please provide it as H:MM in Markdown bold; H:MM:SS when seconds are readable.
**5:31**
